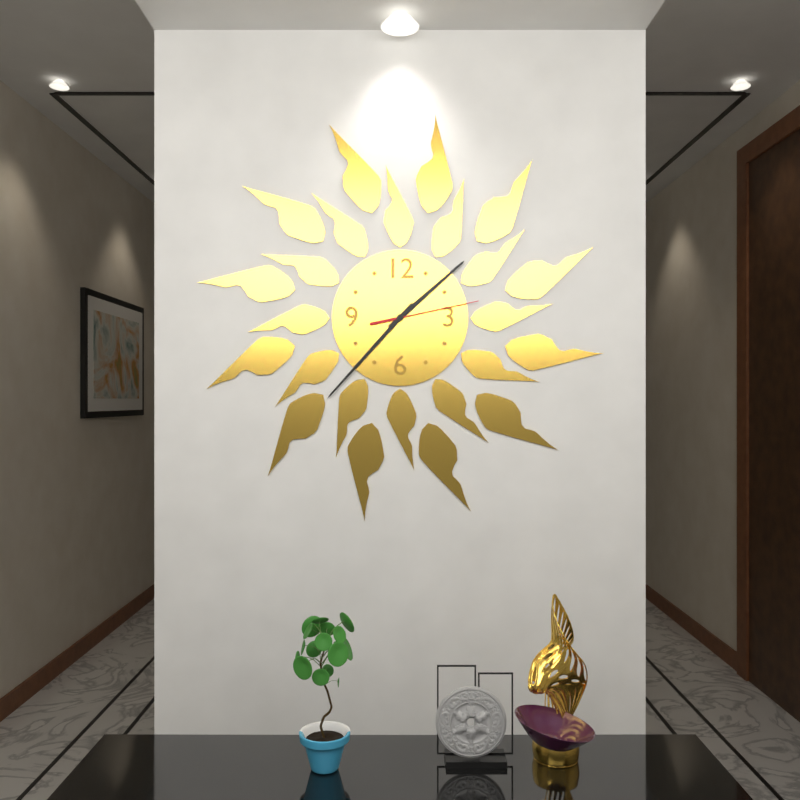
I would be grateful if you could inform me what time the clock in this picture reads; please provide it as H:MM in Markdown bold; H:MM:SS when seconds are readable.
**1:37:13**
